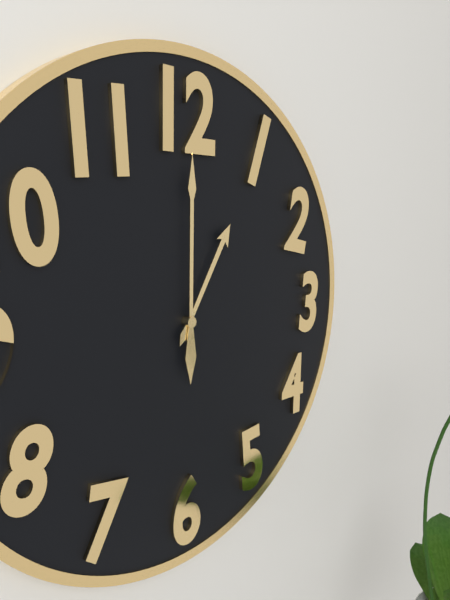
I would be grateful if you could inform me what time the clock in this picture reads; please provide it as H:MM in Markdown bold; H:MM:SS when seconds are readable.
**1:00**
